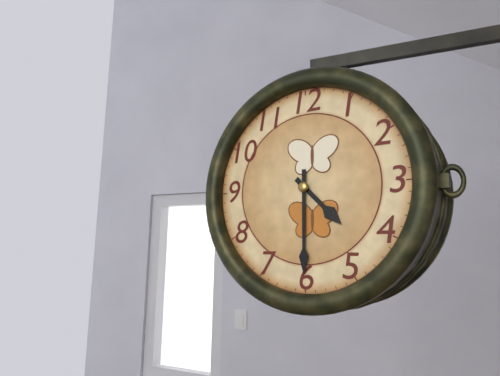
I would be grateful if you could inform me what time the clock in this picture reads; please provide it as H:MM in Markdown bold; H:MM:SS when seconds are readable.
**4:30**
